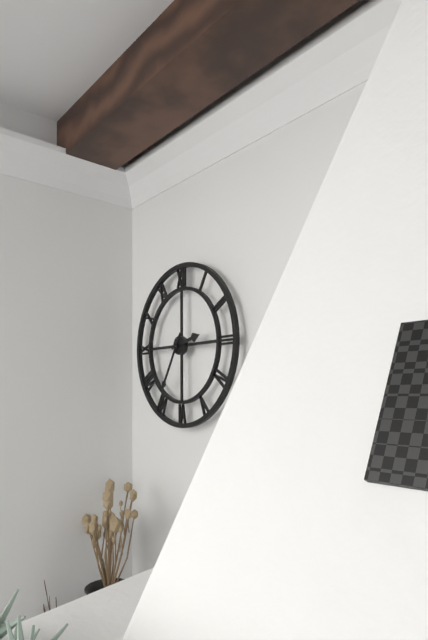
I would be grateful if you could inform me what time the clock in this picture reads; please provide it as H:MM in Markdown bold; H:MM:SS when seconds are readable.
**2:35**
